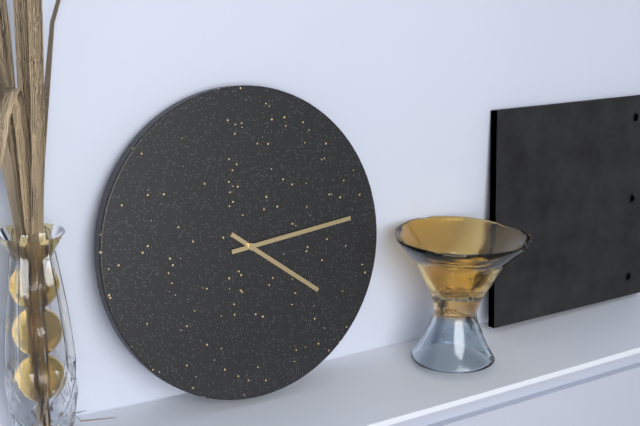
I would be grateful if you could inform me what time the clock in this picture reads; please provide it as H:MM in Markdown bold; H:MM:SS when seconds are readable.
**4:14**
